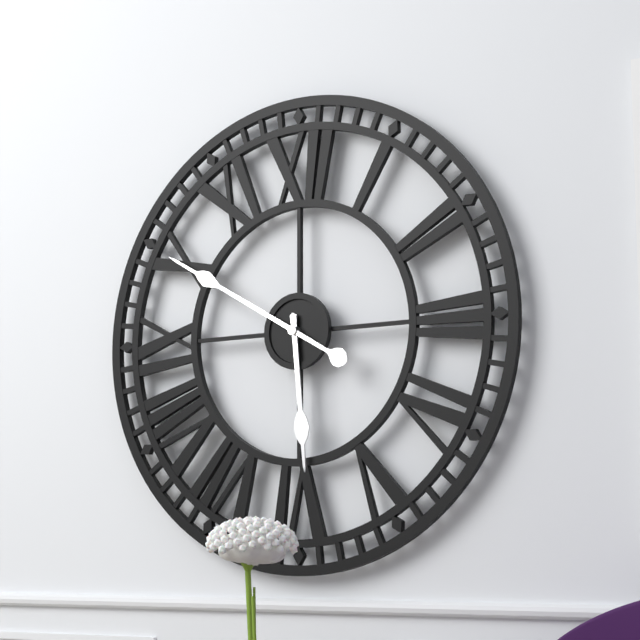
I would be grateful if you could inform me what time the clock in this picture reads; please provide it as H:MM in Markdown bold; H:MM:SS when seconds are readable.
**5:50**
